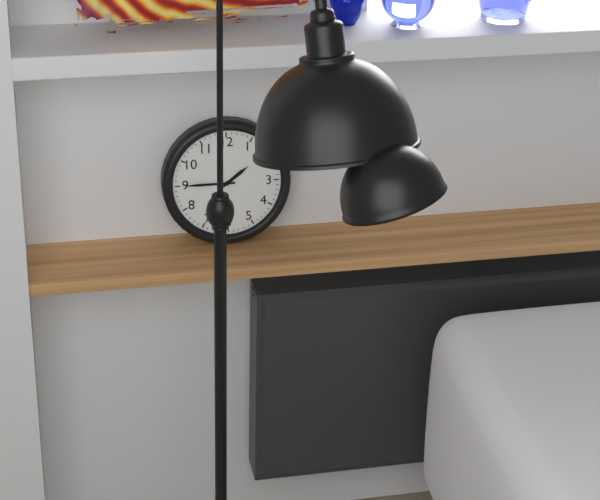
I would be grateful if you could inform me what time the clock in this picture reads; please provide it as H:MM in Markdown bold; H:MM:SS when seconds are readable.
**1:45**
